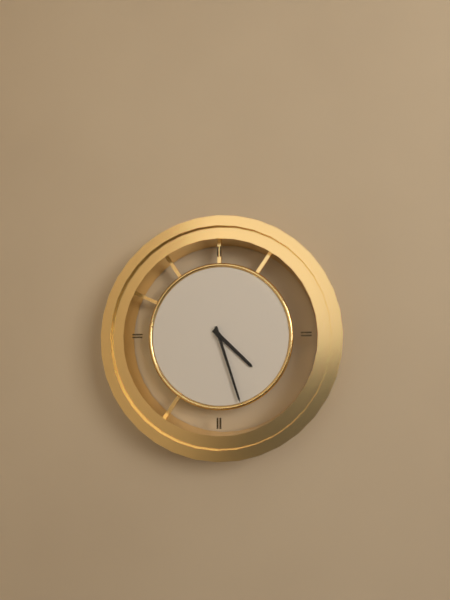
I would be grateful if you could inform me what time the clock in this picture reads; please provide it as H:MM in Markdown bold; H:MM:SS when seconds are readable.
**4:27**
